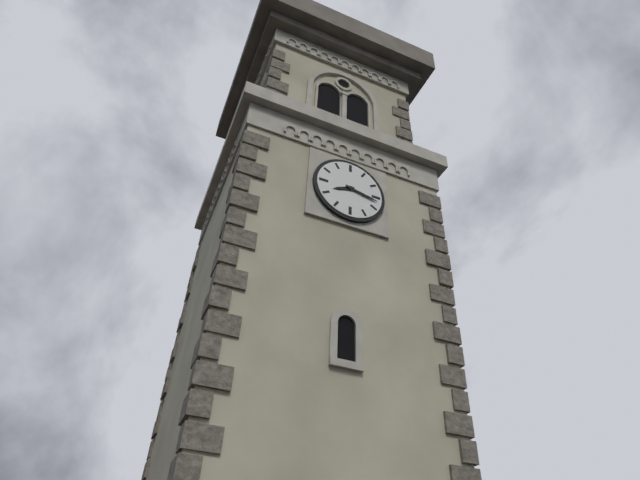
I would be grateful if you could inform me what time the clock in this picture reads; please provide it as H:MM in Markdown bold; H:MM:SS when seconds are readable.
**8:17**
